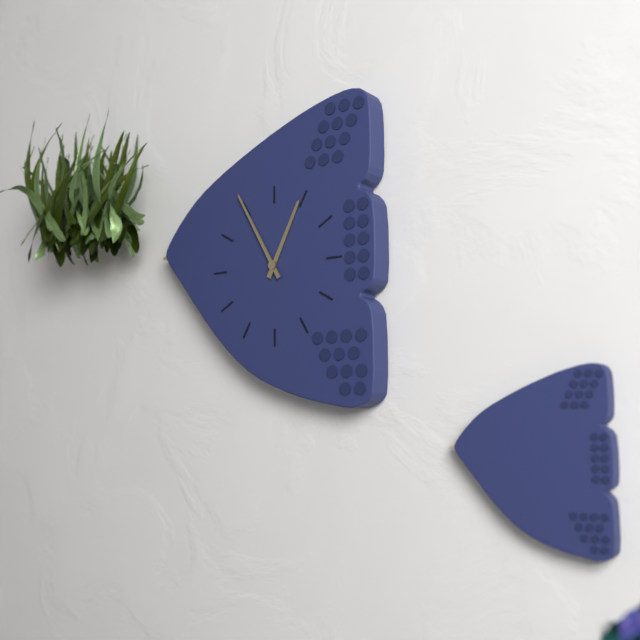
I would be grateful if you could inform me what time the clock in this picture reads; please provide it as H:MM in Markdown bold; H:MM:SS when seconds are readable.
**12:55**
